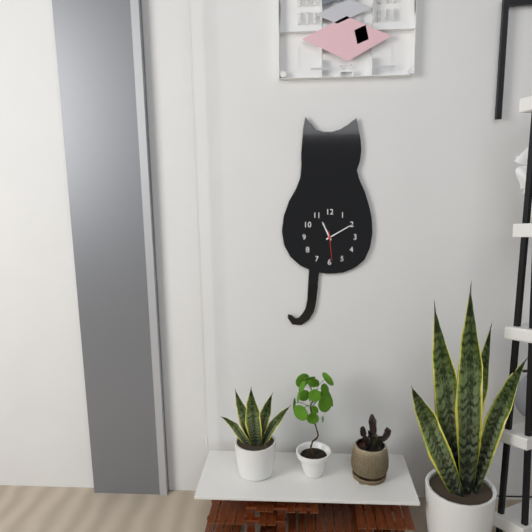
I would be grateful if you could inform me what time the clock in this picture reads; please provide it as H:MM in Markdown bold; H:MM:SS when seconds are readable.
**11:10**
